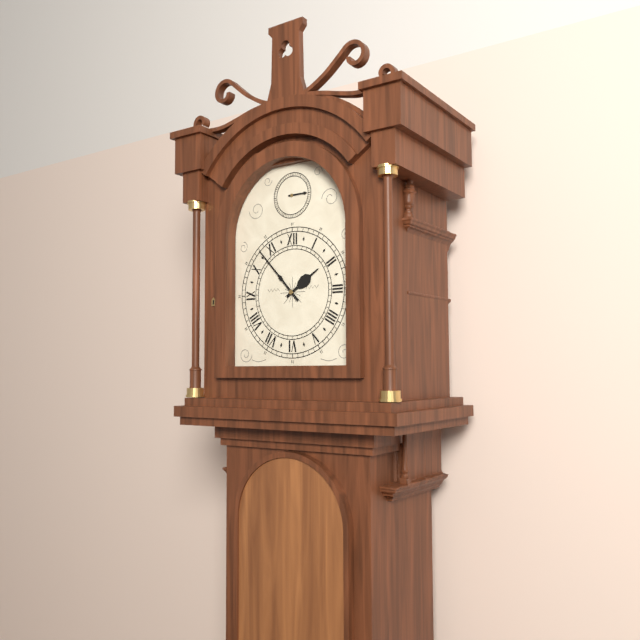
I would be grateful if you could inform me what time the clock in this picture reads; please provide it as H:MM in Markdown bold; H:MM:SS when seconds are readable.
**1:53**
